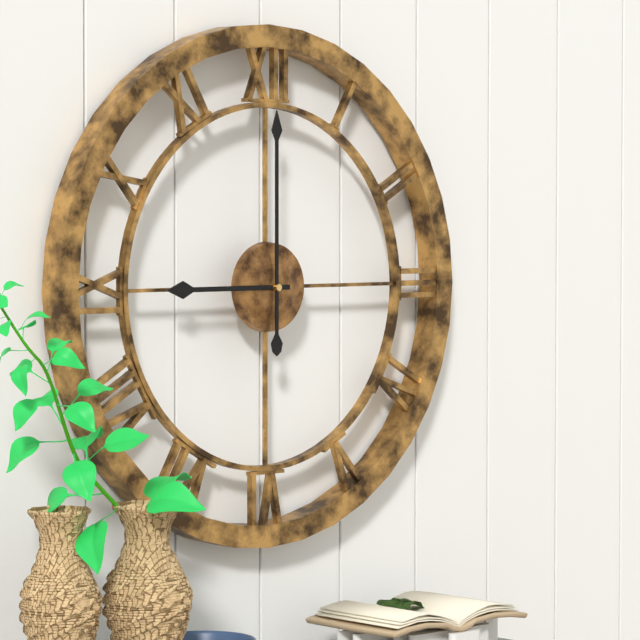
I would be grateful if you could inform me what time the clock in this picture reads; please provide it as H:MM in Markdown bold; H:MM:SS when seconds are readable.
**9:00**
